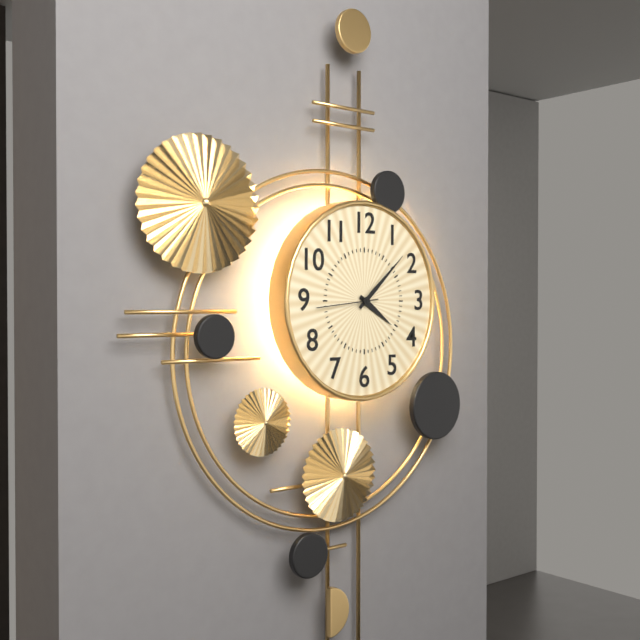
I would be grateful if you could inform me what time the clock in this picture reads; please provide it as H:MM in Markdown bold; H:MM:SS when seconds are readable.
**4:08:44**
